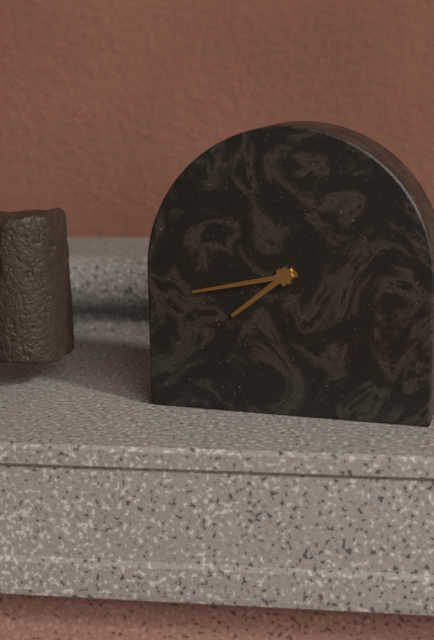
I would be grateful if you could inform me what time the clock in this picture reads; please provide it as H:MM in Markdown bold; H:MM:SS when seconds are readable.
**7:43**
